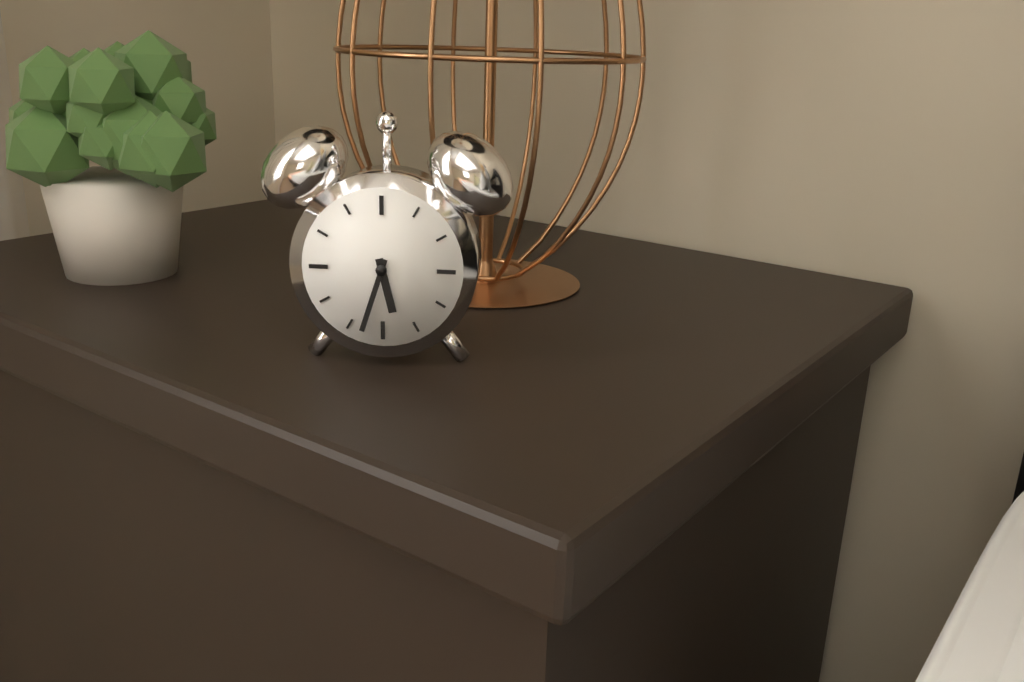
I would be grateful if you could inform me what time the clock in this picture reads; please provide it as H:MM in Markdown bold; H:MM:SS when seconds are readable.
**5:33**
